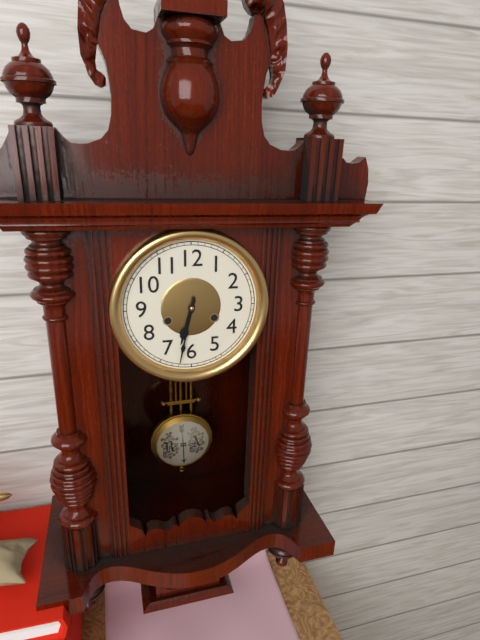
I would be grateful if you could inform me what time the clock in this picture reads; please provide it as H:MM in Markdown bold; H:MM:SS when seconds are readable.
**6:32**
